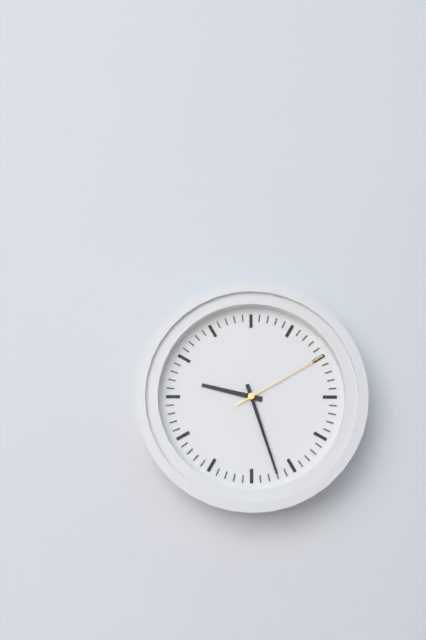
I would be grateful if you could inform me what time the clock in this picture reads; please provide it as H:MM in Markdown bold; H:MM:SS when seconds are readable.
**9:27:10**
